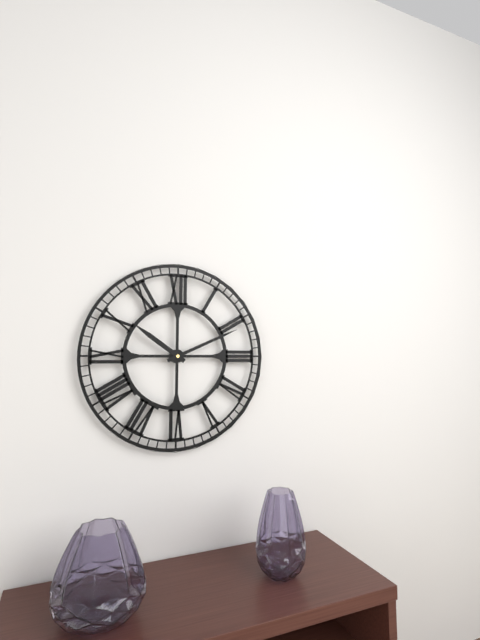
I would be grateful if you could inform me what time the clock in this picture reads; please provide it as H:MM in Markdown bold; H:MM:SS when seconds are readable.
**10:11**
